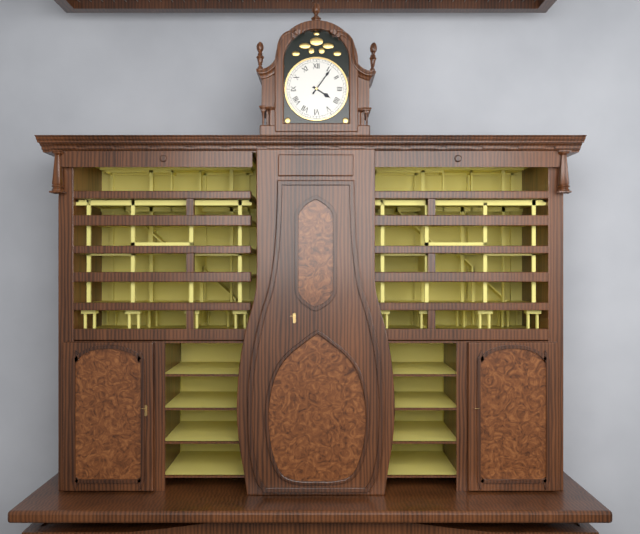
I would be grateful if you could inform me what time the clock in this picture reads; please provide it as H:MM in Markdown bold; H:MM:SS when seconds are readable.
**4:06**
